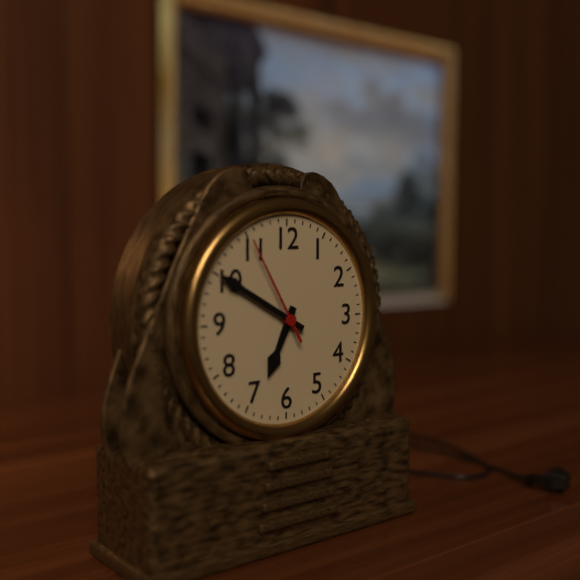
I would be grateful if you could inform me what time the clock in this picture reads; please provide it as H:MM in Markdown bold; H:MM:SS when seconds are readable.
**6:50:55**
